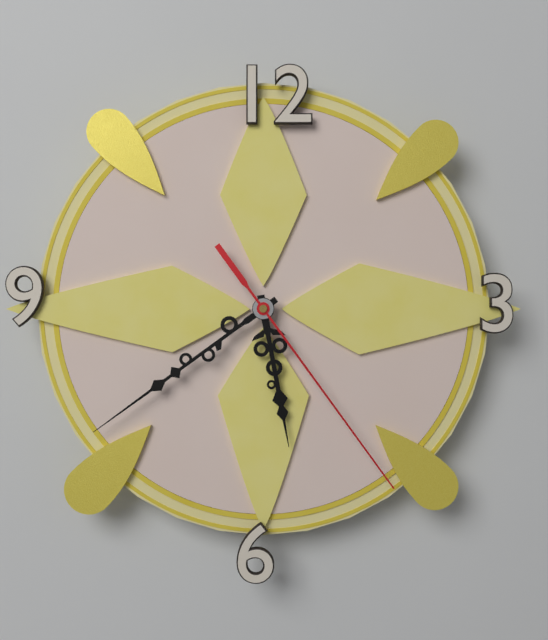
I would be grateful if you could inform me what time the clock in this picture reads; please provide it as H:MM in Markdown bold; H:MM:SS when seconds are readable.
**5:39:24**
